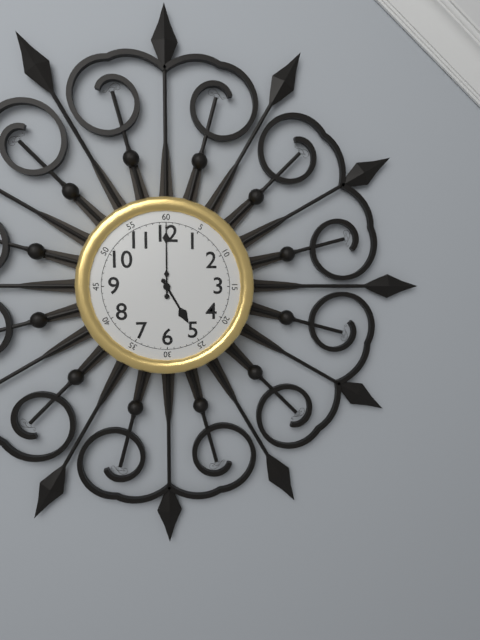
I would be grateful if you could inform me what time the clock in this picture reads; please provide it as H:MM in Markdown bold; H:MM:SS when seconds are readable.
**5:00**
